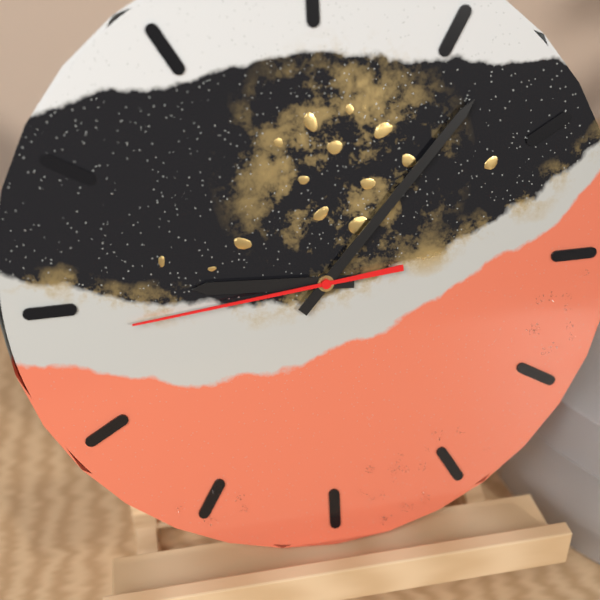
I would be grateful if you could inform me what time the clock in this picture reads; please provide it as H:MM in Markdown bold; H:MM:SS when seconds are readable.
**9:07:44**
